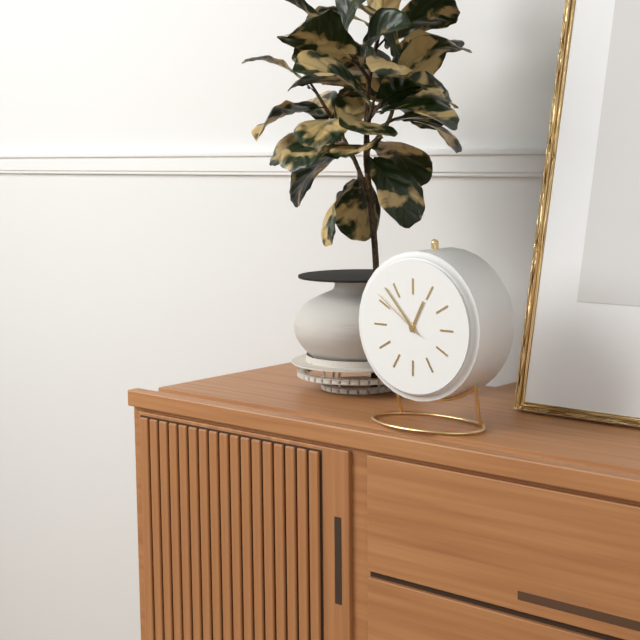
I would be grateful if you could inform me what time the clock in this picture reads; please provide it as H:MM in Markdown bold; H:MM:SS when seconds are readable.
**12:53:51**
